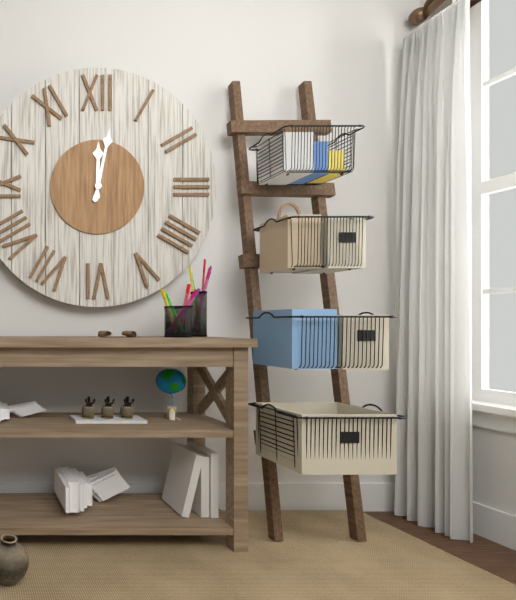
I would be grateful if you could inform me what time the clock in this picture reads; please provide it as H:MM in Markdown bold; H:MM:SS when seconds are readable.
**12:02**
